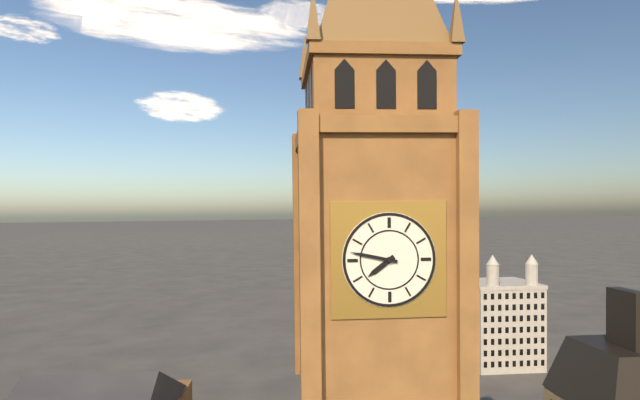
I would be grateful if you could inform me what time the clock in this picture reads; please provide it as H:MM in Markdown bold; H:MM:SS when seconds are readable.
**7:47**
